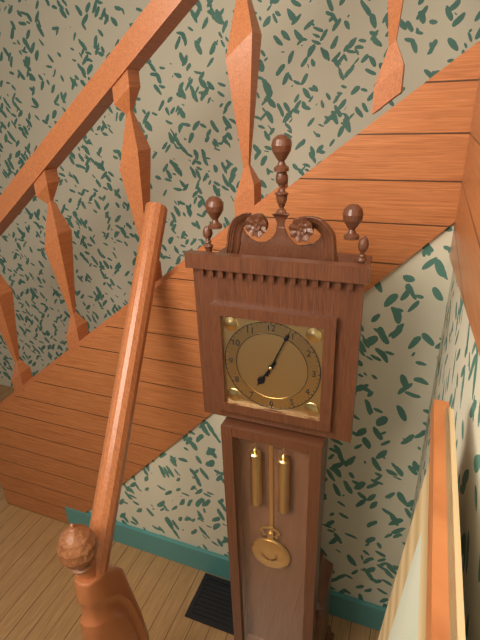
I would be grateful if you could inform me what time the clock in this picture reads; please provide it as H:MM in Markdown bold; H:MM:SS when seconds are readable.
**7:04**
